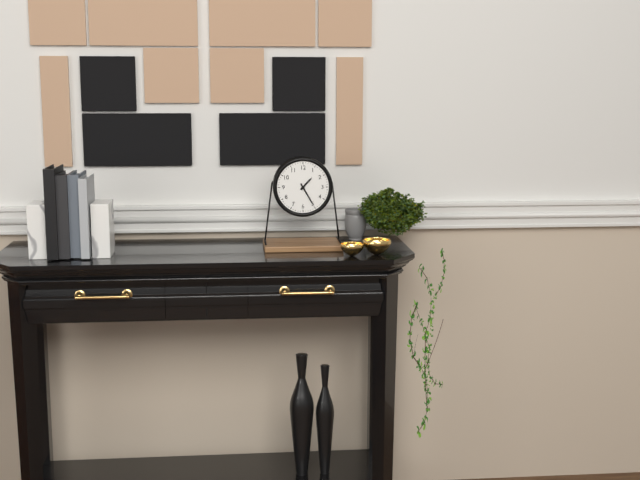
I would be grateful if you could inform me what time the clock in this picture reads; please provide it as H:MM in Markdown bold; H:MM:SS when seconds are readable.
**1:25**
